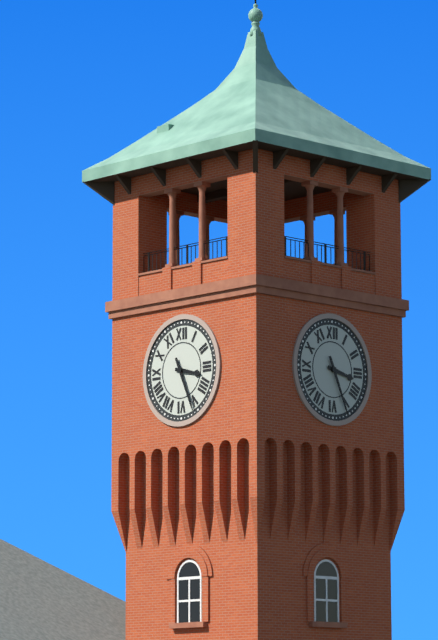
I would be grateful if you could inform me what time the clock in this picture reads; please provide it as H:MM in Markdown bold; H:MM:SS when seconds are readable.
**3:26**
